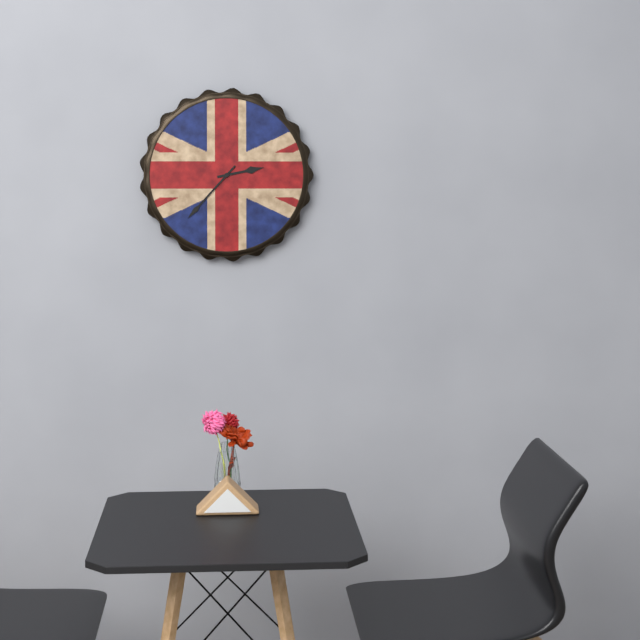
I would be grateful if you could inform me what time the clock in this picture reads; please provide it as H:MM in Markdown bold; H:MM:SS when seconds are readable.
**2:37**
